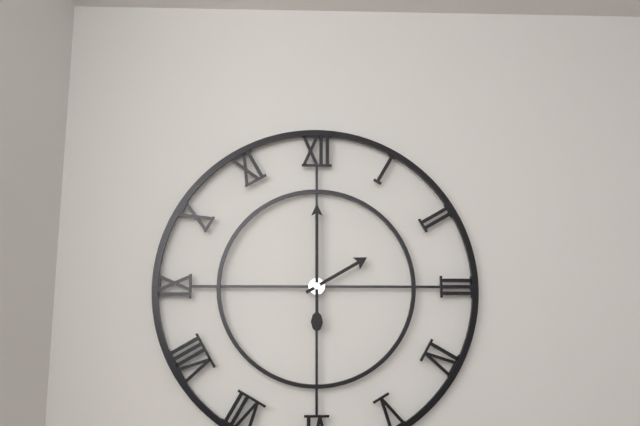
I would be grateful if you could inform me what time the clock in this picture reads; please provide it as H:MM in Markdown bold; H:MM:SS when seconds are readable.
**2:00**
